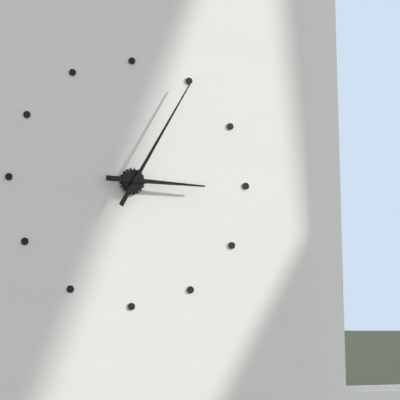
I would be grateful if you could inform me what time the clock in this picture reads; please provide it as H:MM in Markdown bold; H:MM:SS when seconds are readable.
**3:05**
